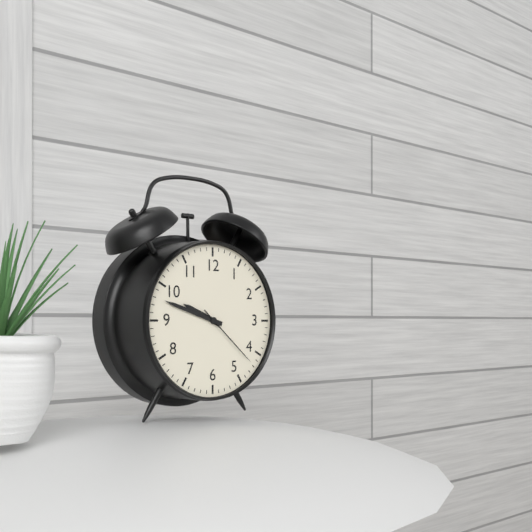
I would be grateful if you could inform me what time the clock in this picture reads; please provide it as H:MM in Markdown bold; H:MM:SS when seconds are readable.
**9:48:22**
